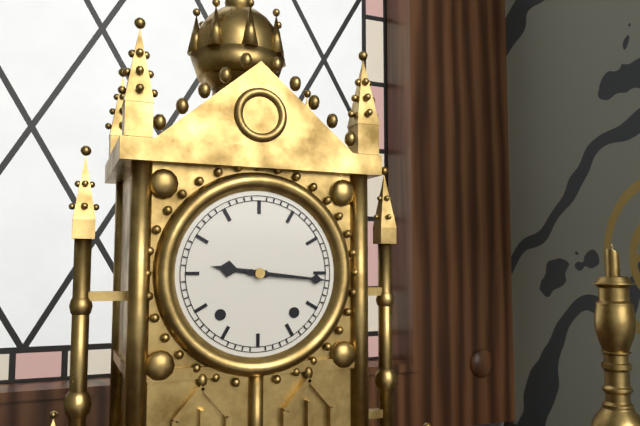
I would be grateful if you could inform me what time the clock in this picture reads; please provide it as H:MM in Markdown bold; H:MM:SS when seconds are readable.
**9:16**
